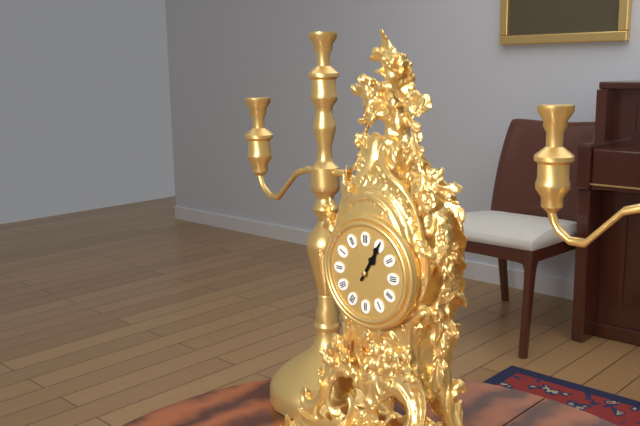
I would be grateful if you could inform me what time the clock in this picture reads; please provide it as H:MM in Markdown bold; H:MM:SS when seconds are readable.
**1:05**
